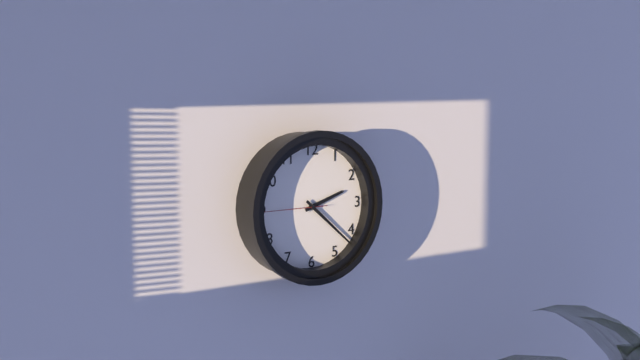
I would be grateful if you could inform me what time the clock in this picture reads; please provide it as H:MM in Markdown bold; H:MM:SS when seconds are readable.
**2:22:45**
